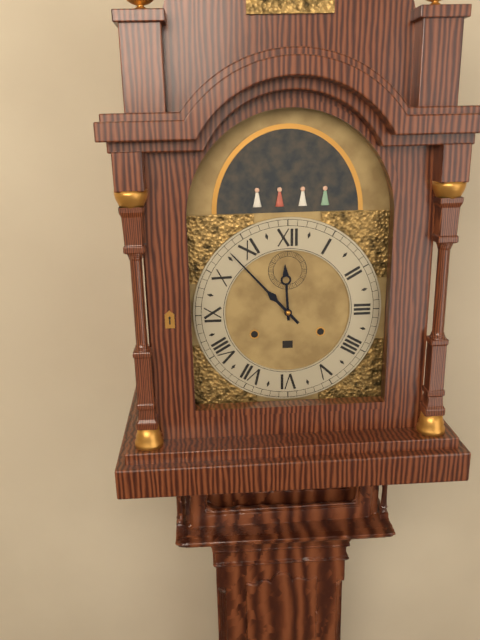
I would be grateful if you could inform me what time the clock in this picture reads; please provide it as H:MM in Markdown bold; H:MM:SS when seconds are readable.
**11:53**
